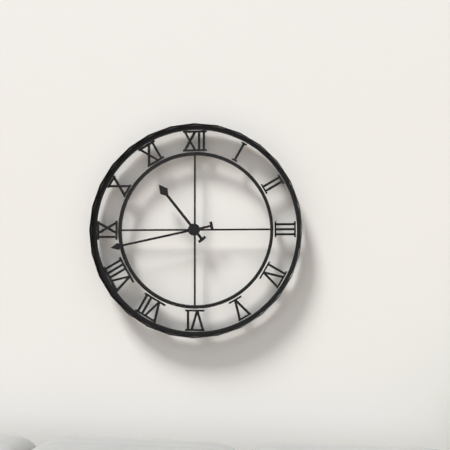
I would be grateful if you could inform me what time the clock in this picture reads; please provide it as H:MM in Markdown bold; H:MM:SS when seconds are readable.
**10:43**
